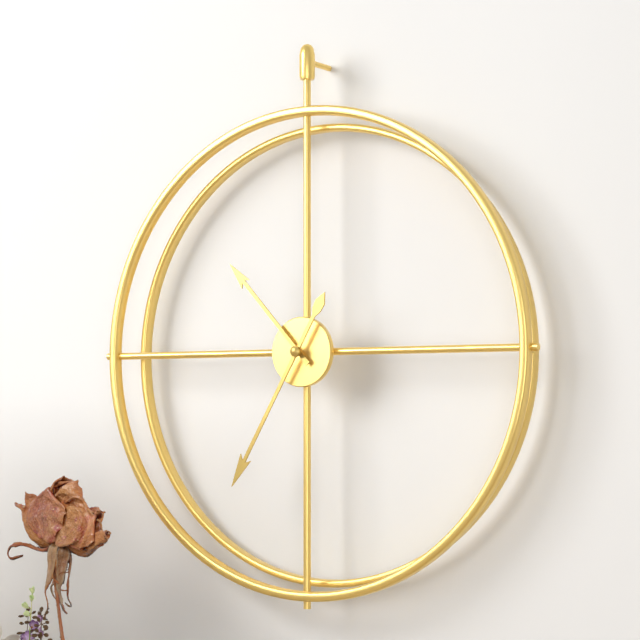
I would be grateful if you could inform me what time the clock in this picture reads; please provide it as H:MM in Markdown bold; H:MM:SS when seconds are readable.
**10:35**
